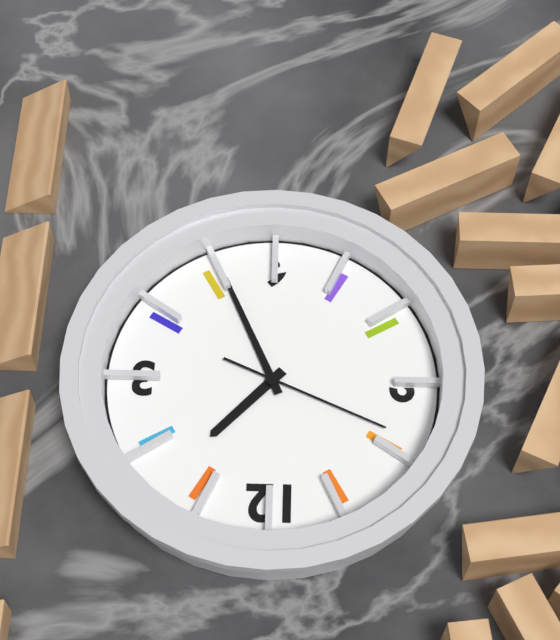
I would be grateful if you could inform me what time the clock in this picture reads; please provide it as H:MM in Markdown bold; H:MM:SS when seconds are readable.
**1:26:49**
